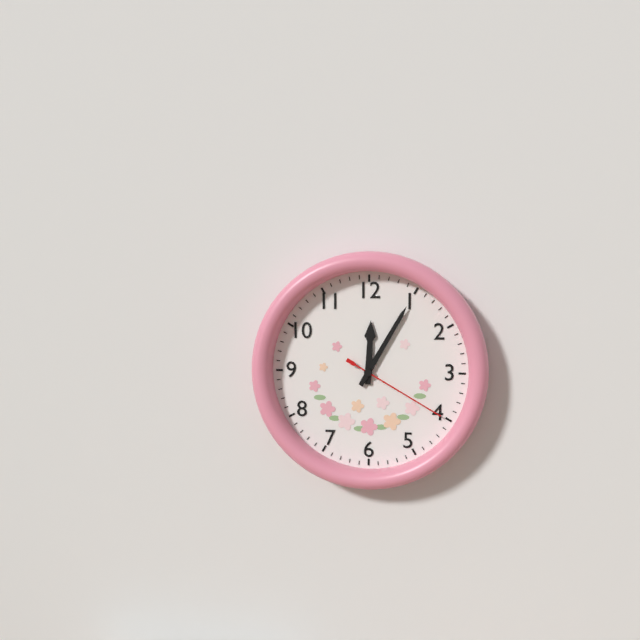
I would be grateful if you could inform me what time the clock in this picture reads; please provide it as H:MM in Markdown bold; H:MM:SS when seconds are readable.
**12:05:20**
